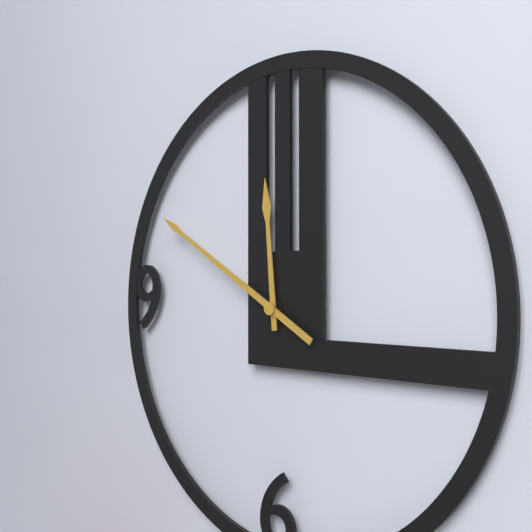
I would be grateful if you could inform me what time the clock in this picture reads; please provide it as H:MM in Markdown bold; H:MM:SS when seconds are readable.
**11:50**
